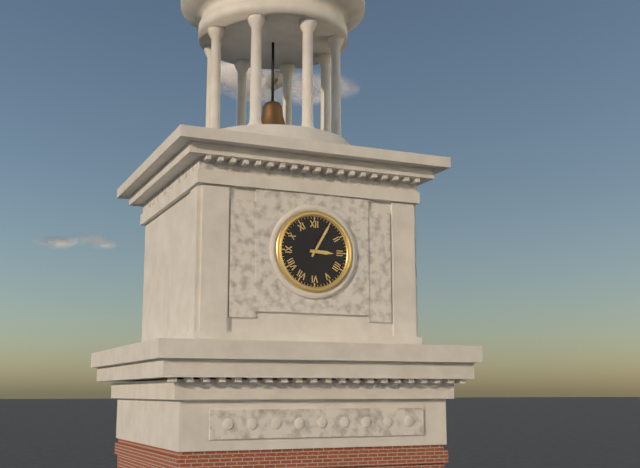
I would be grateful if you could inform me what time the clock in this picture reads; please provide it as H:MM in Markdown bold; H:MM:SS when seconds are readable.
**3:05**
